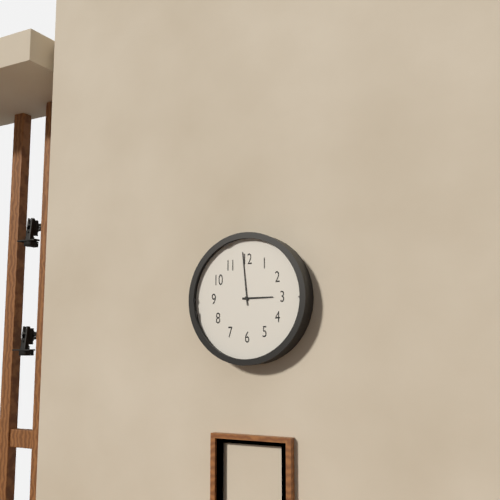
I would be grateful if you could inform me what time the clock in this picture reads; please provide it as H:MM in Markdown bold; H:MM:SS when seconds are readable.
**2:59**
